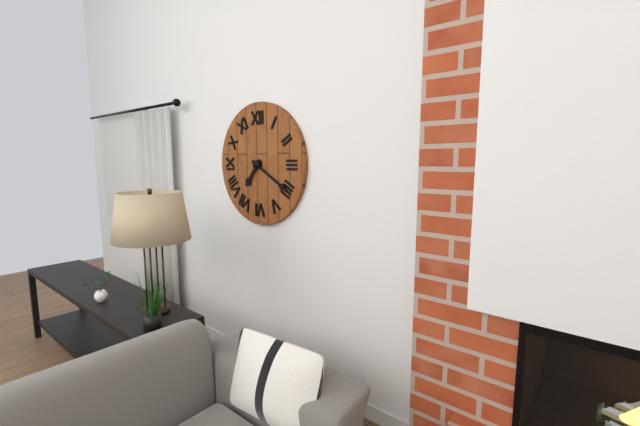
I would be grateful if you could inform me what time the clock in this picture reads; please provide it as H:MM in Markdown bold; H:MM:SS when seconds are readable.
**7:20**
